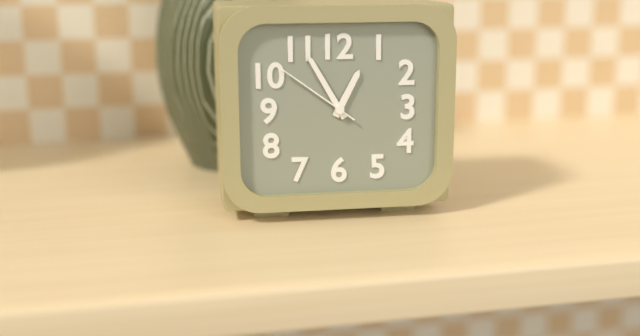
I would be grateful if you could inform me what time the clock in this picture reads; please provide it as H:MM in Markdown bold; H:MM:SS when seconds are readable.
**12:55:51**
